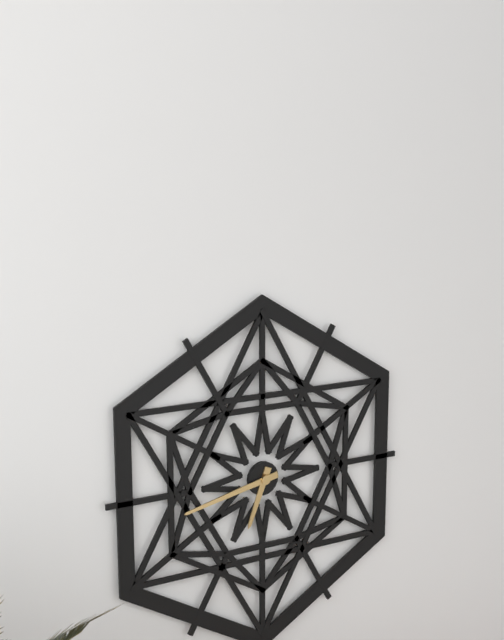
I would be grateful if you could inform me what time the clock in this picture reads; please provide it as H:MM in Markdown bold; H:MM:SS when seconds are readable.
**6:43**
